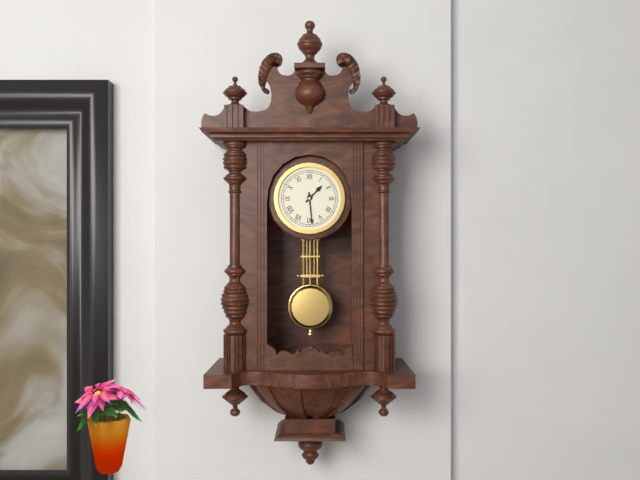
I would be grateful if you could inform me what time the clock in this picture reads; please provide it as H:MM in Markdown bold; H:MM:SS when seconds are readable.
**1:29**
